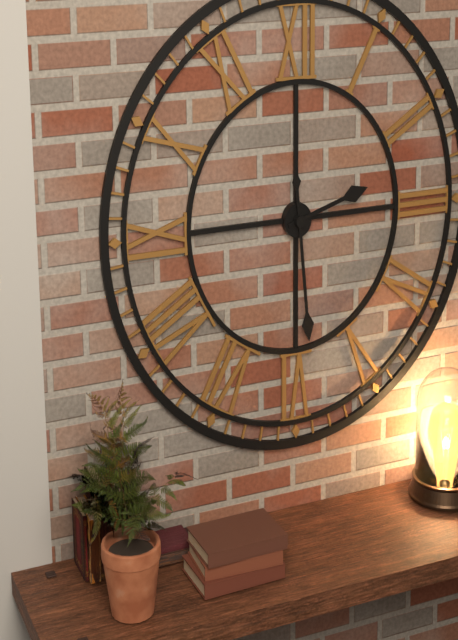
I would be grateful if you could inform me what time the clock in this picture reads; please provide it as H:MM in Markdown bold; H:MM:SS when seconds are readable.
**2:29**
